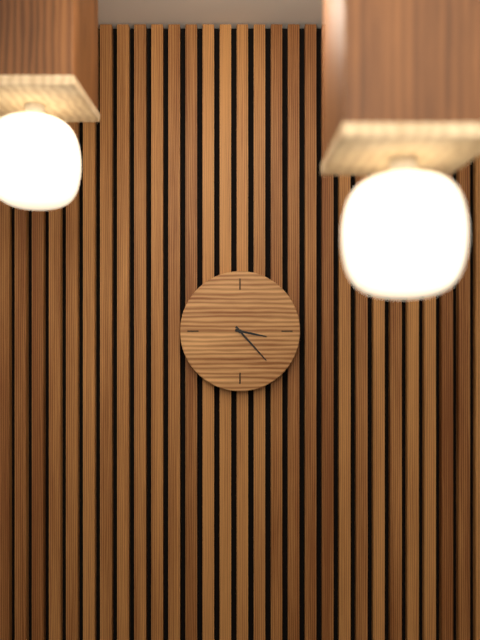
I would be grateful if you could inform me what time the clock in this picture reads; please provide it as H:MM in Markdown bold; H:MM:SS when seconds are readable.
**3:23**
